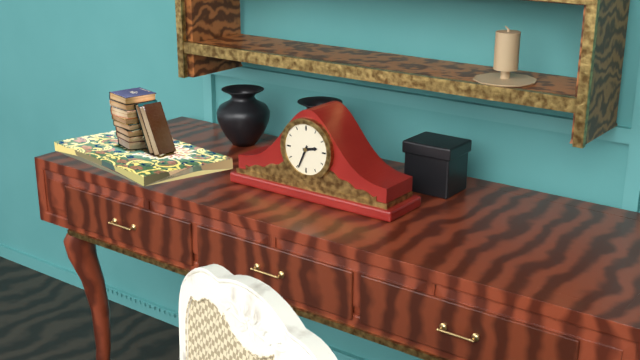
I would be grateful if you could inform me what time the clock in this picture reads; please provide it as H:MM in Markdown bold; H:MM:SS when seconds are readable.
**2:34**
